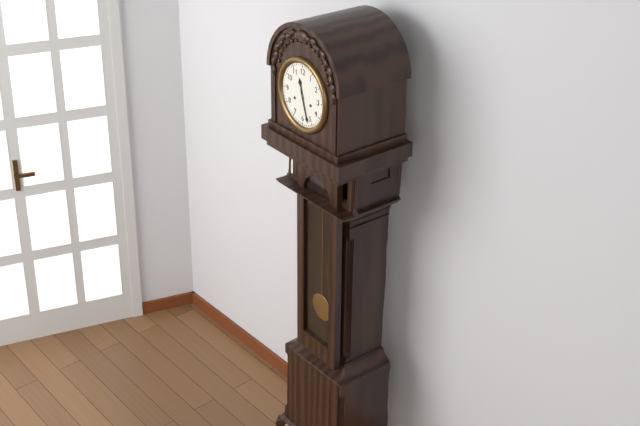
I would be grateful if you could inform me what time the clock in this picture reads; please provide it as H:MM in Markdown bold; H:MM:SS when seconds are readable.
**11:27**
